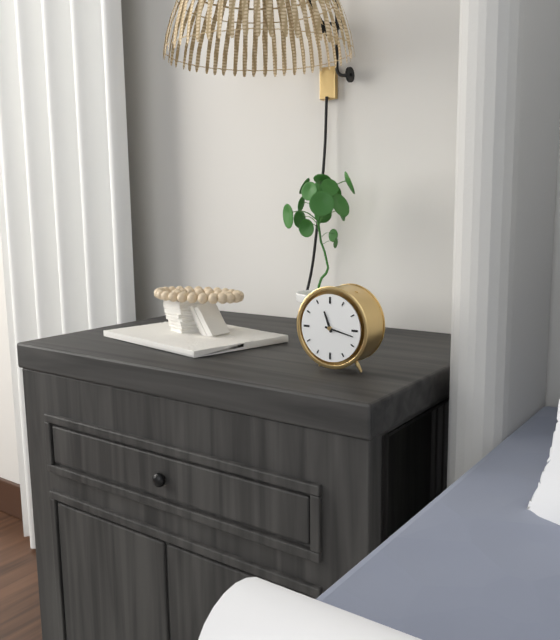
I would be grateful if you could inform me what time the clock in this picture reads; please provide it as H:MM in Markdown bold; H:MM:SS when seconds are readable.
**11:17**
